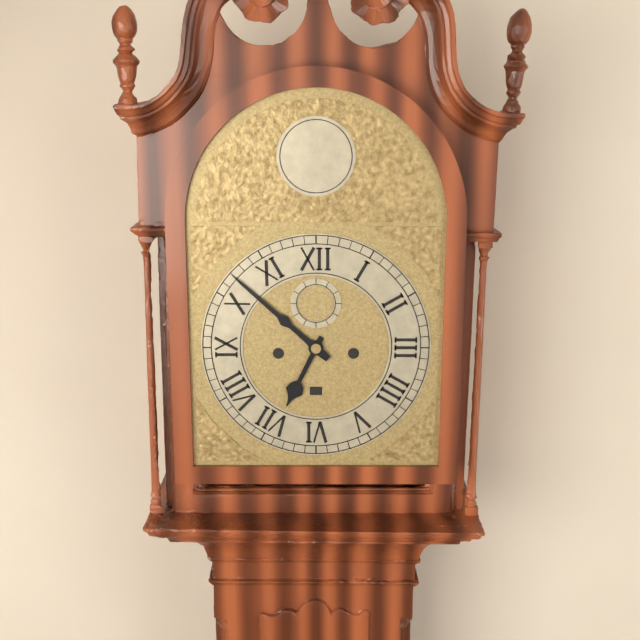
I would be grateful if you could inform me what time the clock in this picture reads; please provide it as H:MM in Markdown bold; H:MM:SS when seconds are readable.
**6:52**
